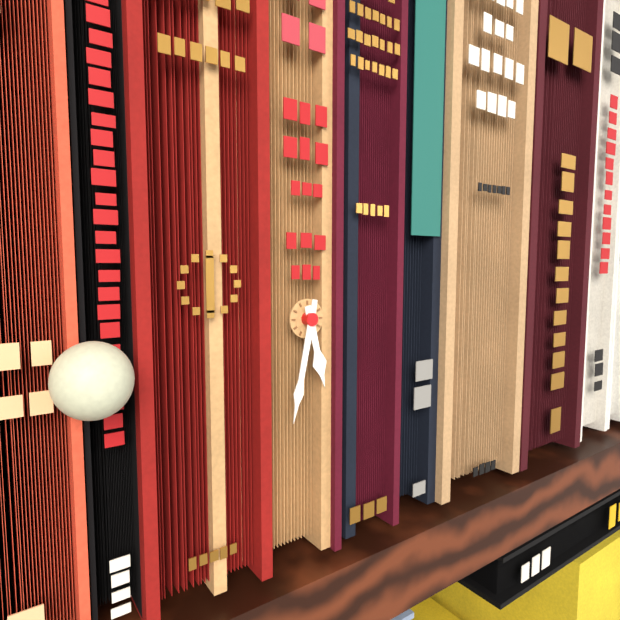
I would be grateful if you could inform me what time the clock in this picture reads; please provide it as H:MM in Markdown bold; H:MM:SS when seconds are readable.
**5:32**
